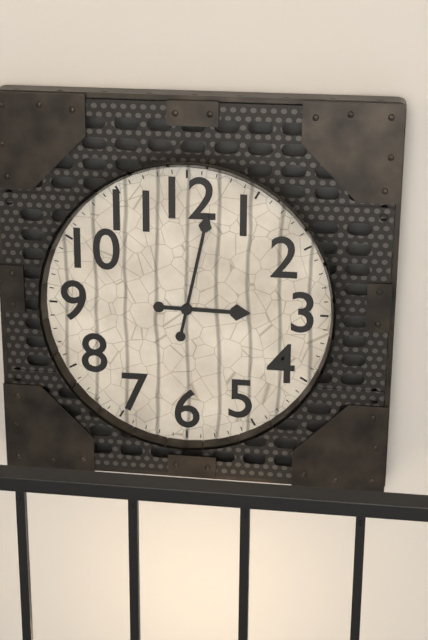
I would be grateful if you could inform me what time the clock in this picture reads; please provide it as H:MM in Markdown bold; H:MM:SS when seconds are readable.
**3:02**
